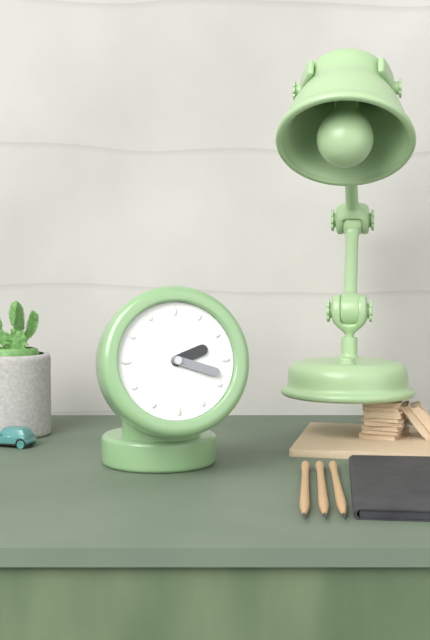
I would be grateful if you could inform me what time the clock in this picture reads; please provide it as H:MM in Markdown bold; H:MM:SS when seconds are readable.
**2:18**
